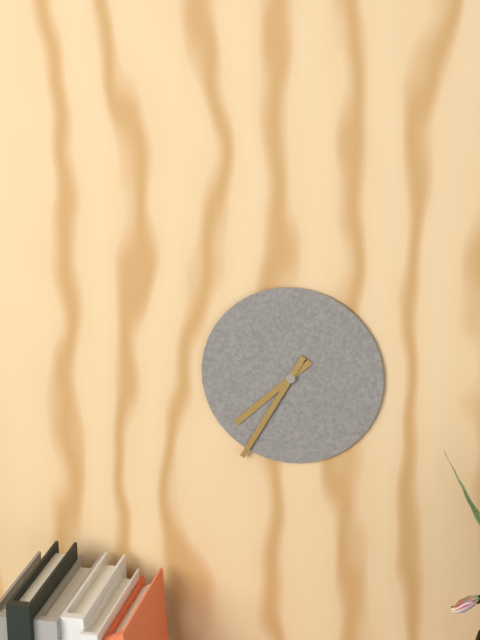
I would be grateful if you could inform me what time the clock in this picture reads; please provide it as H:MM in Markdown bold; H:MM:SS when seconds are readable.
**7:35**
